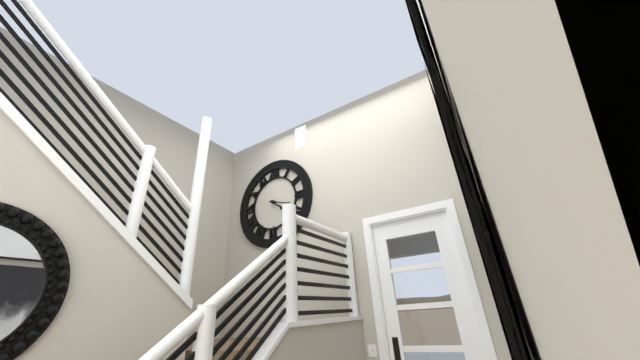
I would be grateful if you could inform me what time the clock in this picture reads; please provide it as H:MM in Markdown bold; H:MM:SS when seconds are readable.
**4:18**
